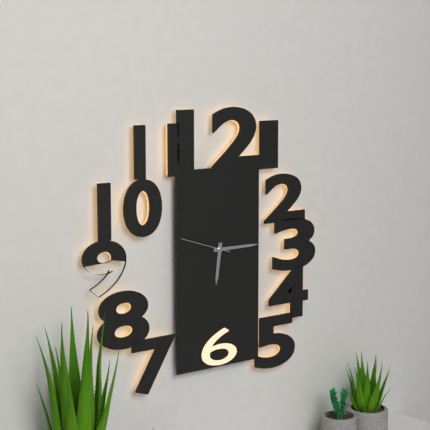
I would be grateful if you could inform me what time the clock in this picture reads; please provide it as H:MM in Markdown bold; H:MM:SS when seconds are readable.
**6:15:48**
